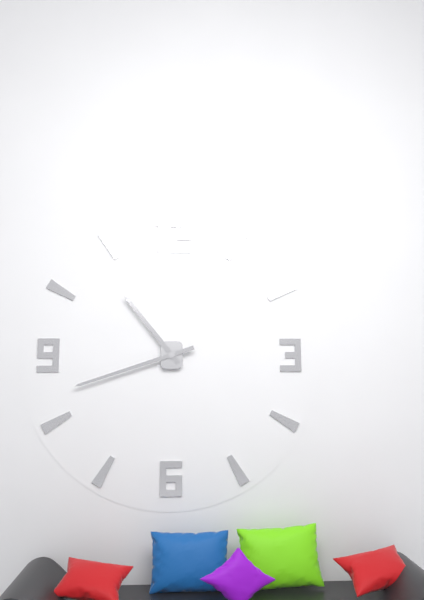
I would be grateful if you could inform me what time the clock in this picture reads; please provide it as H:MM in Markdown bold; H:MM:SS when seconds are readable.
**10:42**
